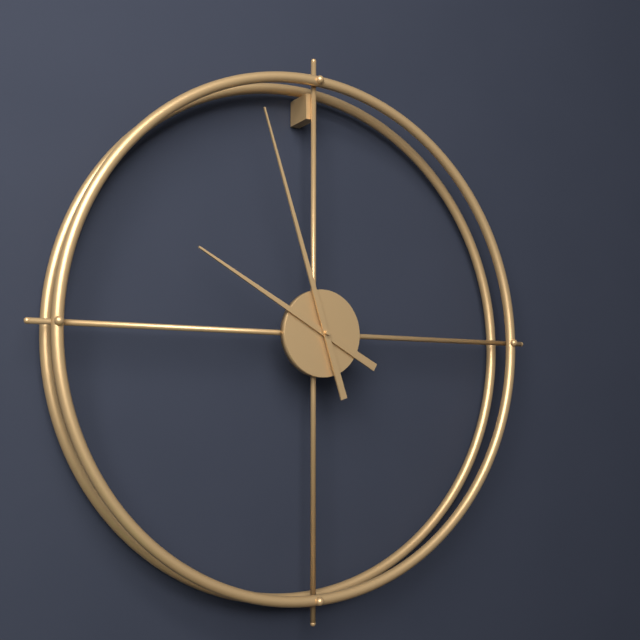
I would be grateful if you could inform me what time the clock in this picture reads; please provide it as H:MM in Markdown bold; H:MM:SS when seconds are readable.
**9:57**
